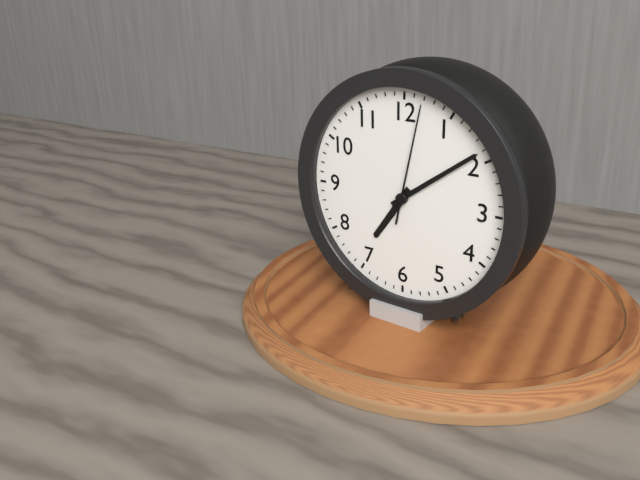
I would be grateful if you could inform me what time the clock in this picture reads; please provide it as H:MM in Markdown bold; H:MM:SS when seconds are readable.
**7:09:02**
